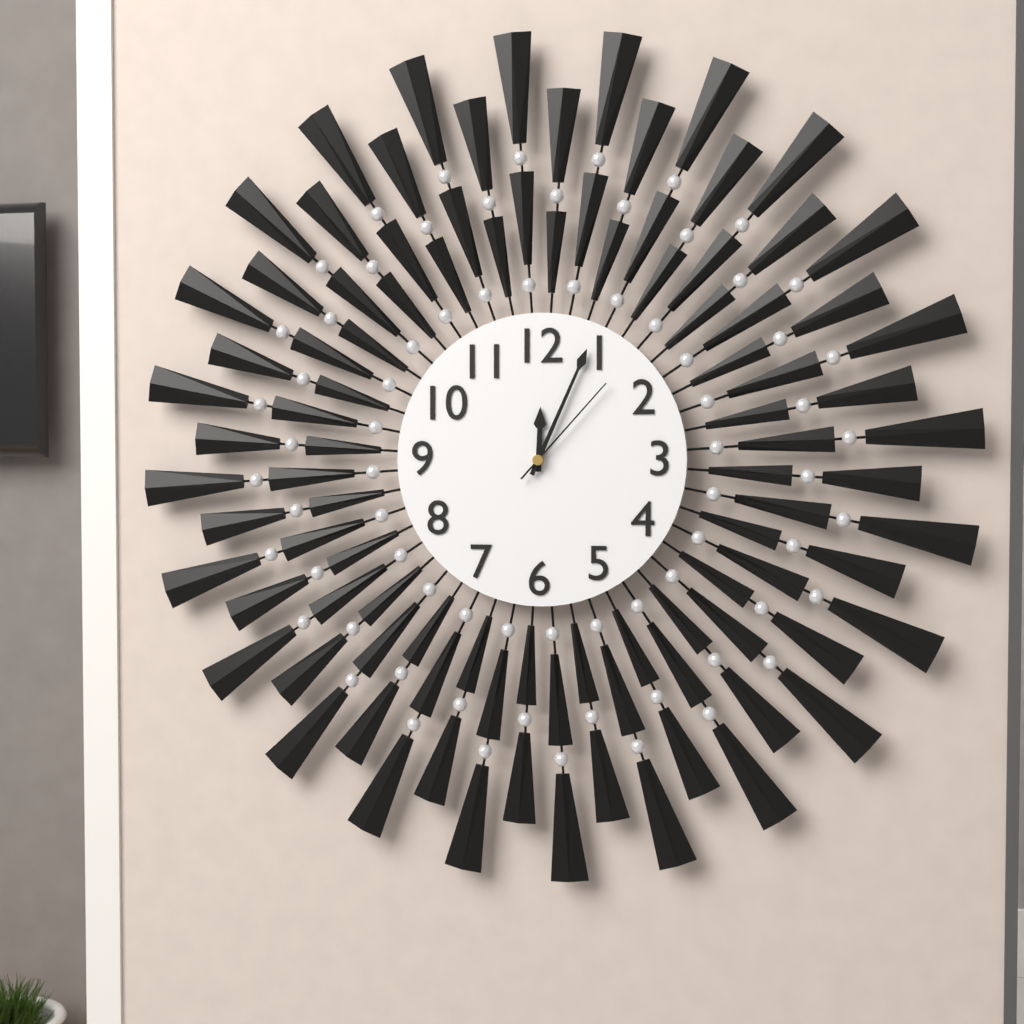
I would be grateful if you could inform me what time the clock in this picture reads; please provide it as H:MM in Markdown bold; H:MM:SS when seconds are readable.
**12:04:07**
